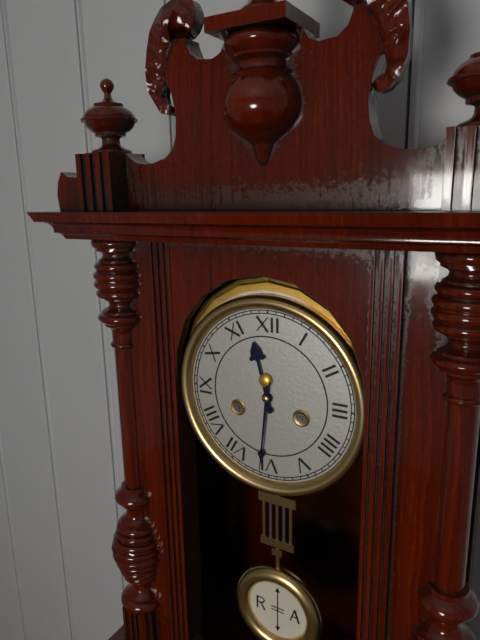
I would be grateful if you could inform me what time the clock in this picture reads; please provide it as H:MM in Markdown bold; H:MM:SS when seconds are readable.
**11:31**
